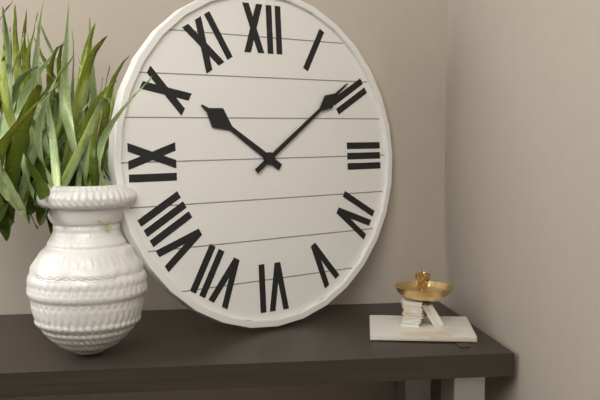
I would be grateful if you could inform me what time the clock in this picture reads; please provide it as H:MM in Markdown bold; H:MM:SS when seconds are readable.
**10:09**
